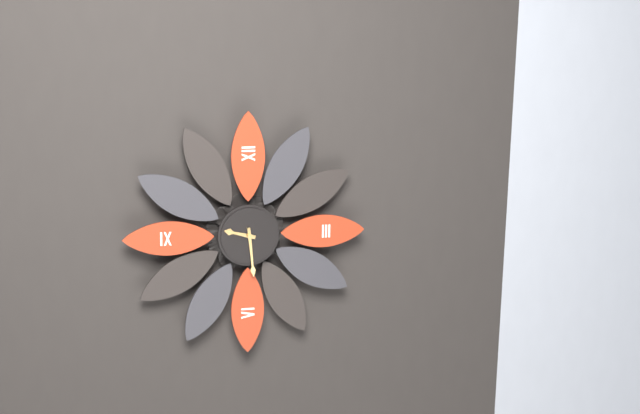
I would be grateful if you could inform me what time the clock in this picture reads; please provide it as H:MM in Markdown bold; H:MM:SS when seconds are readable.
**9:29**
